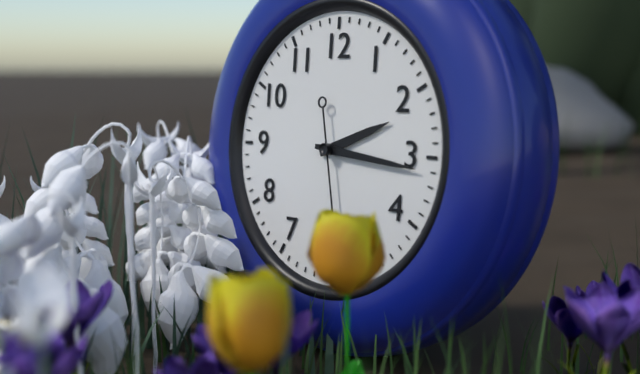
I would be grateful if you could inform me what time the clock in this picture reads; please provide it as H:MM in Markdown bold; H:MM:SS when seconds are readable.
**2:16**
